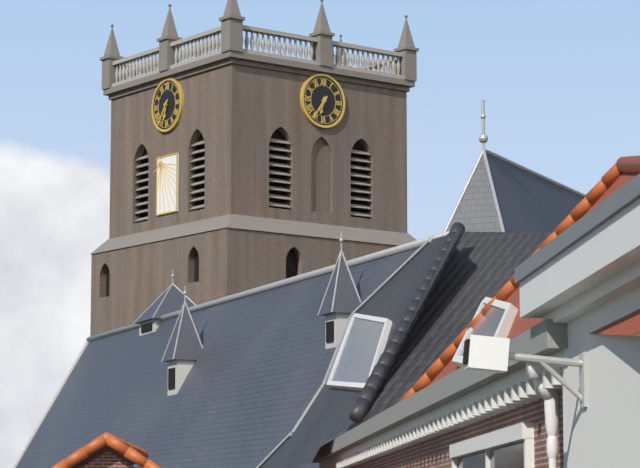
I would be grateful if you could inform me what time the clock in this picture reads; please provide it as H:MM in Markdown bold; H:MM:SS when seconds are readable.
**6:36**
